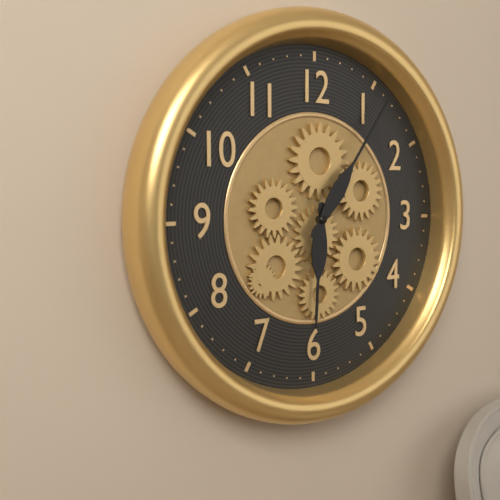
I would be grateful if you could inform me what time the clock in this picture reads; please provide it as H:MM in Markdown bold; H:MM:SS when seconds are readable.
**6:06**
